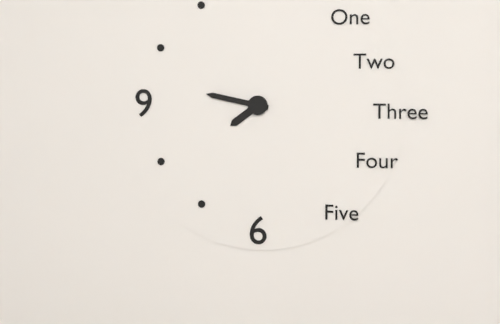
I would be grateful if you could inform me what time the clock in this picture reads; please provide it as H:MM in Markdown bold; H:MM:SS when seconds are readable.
**7:47**
